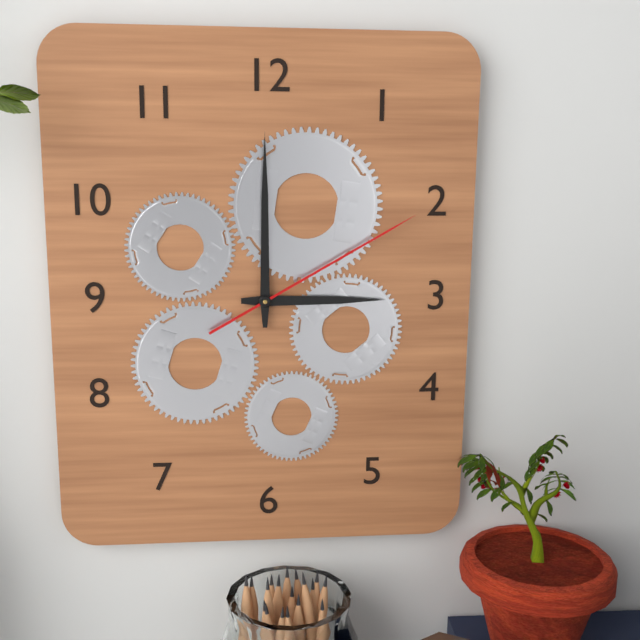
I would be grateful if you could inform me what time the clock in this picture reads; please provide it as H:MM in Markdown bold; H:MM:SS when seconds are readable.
**3:00:10**
